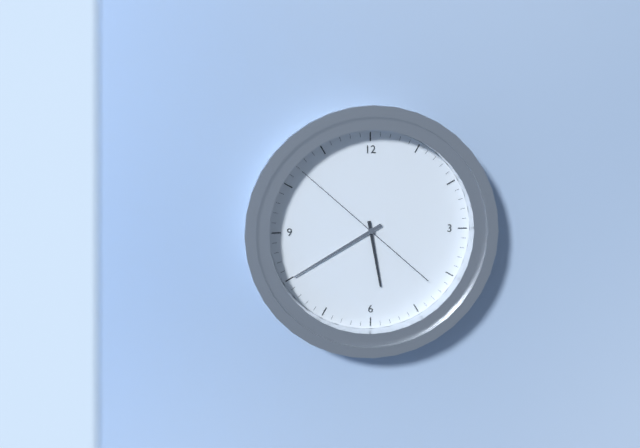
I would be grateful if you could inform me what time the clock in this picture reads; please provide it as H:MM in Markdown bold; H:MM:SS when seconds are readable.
**5:40:52**
